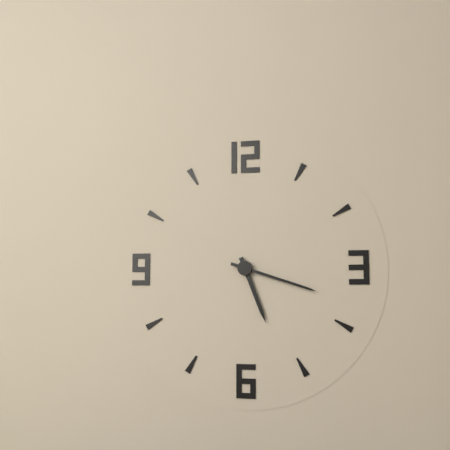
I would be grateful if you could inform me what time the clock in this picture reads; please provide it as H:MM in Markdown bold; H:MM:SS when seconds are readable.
**5:18**
